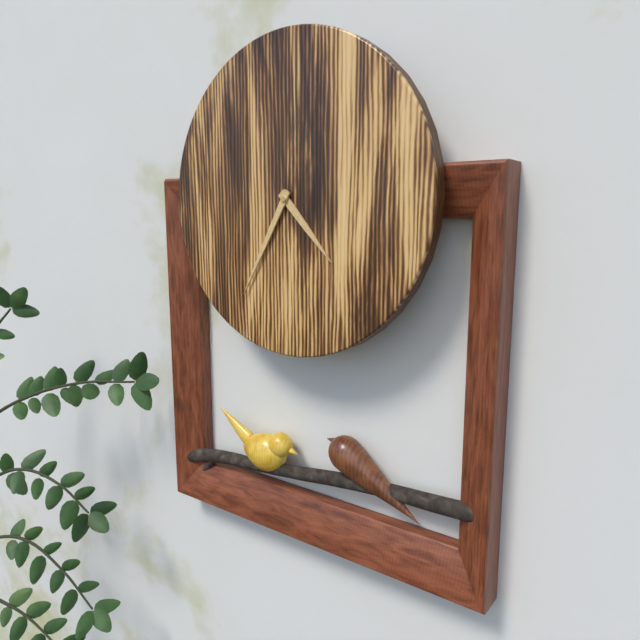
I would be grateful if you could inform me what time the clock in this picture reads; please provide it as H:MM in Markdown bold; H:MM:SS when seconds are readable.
**4:35**
